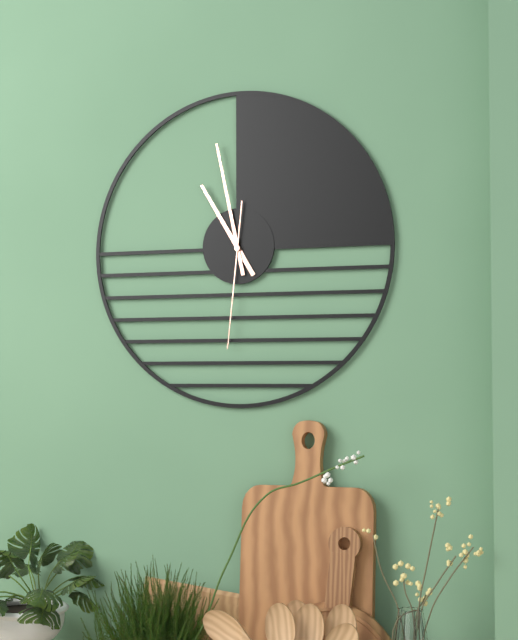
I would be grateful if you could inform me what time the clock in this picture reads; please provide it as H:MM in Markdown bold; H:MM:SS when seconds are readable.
**10:58:31**
